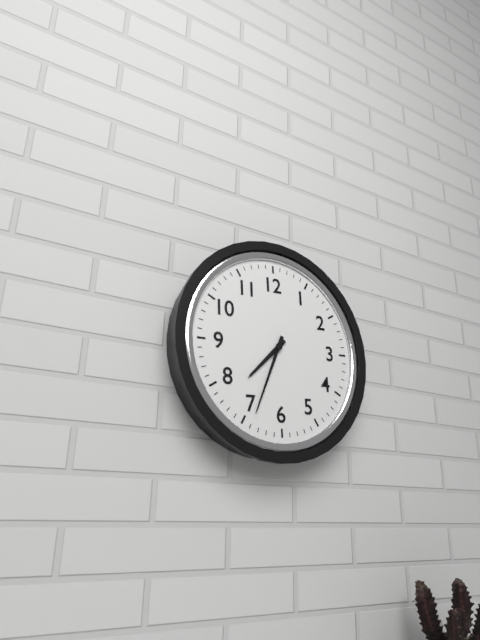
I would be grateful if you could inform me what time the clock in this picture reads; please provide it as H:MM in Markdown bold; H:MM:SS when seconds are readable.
**7:34**
